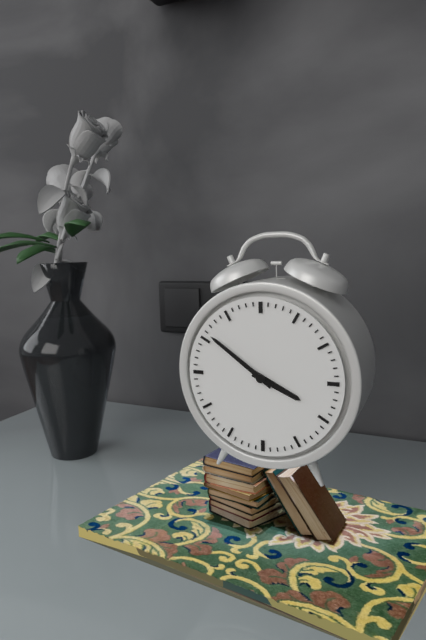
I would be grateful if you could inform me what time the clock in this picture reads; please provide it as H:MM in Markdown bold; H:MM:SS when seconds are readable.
**3:51**
